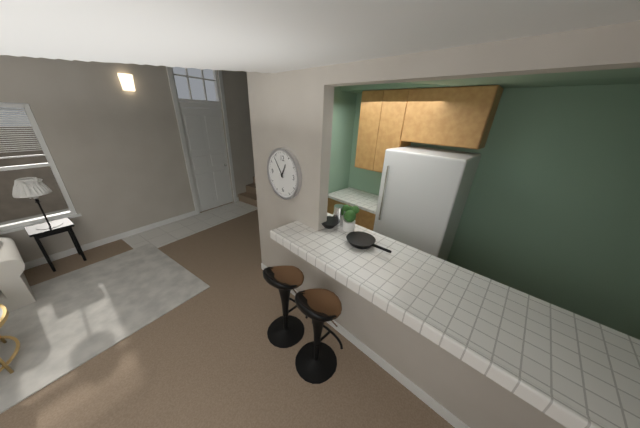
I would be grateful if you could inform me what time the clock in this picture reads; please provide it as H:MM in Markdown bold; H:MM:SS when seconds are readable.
**12:54**
